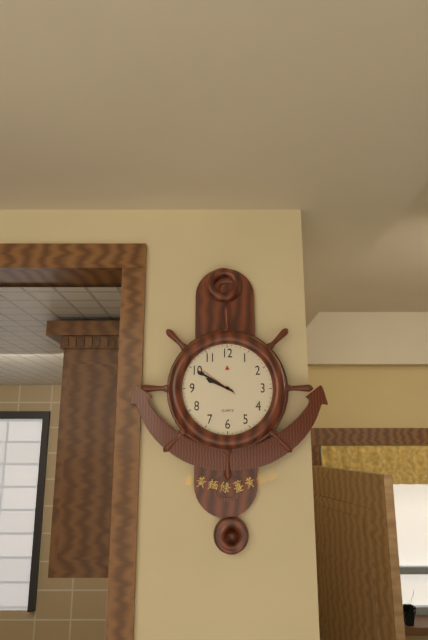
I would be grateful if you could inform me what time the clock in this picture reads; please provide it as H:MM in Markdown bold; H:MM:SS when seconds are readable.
**9:50**
